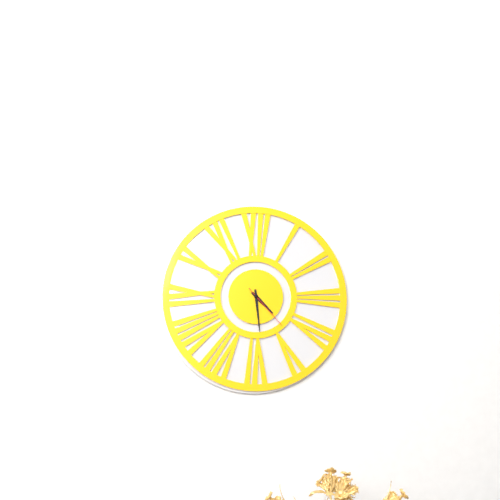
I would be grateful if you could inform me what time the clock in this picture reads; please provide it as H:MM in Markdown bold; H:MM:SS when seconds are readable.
**4:29**
